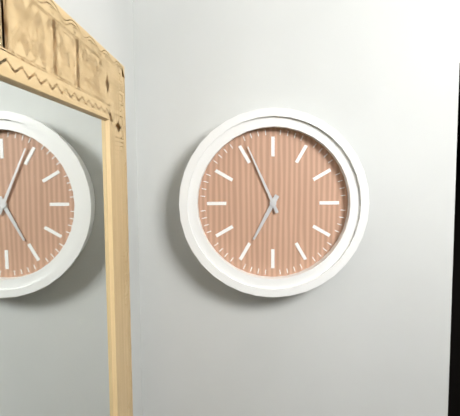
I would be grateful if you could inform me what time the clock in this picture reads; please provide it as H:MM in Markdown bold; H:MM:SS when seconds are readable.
**6:56**
